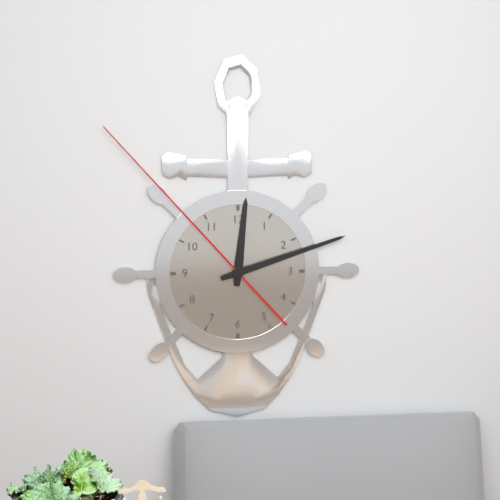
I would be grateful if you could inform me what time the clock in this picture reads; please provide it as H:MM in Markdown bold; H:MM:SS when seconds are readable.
**12:12:53**
